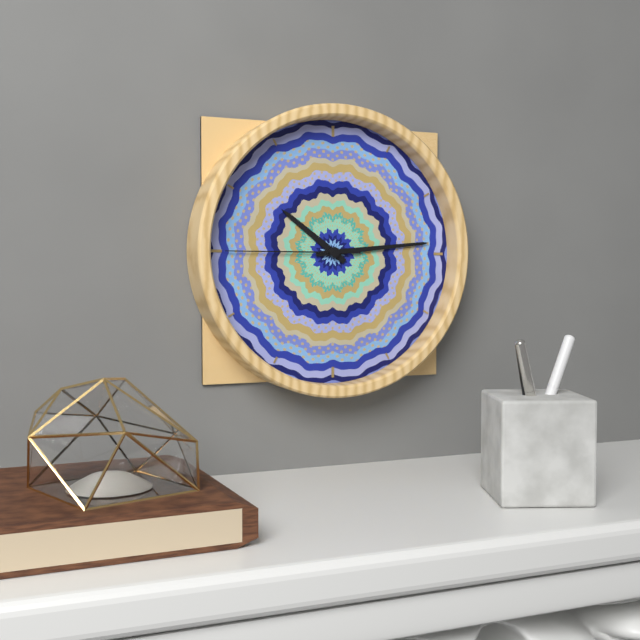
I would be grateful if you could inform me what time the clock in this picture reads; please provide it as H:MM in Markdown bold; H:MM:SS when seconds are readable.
**10:14:45**
